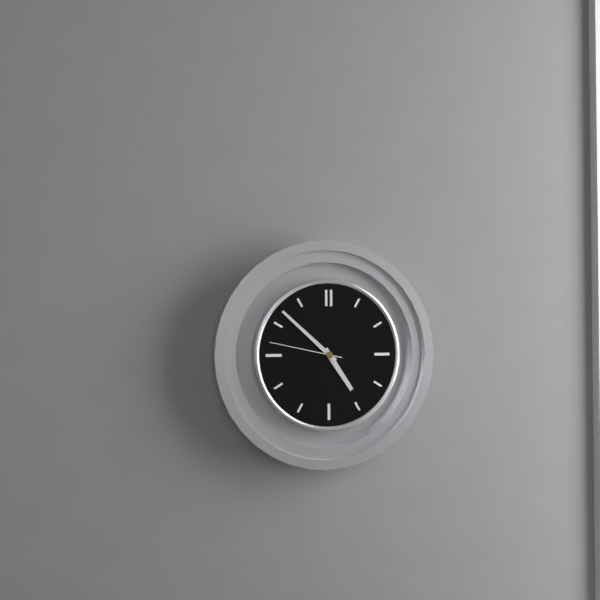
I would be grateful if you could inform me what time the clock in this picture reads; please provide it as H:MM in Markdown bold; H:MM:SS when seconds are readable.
**4:52:47**
